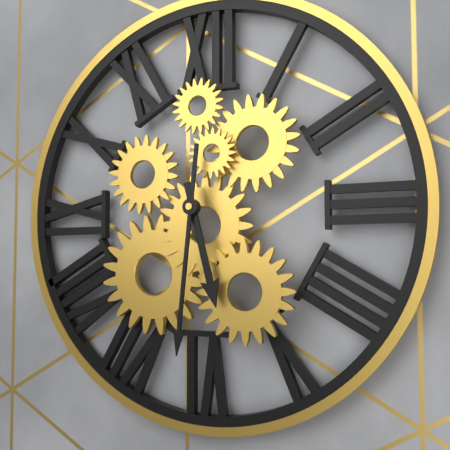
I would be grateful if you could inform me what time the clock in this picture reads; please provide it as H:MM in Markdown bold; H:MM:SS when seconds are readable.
**5:31**
